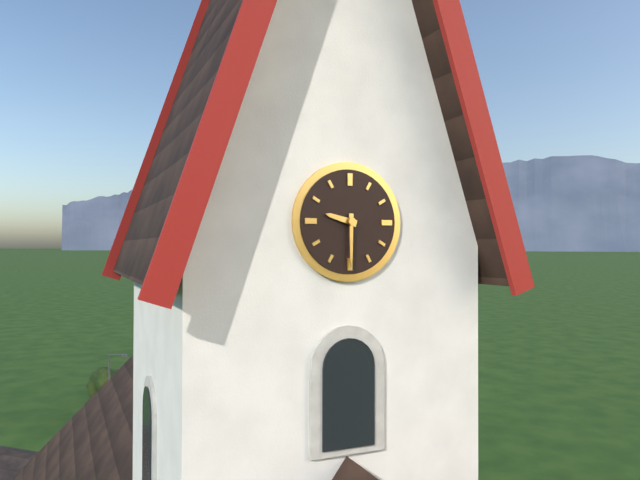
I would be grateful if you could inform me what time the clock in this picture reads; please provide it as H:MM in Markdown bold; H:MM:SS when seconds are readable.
**9:30**
